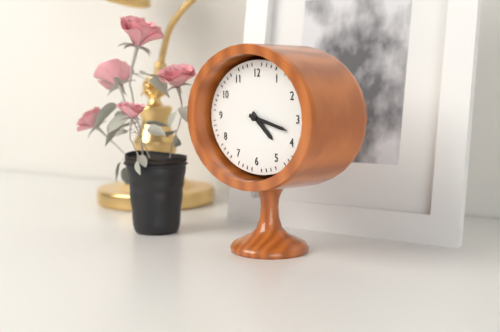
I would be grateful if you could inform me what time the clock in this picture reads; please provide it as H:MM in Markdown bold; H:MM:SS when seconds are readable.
**4:17**
